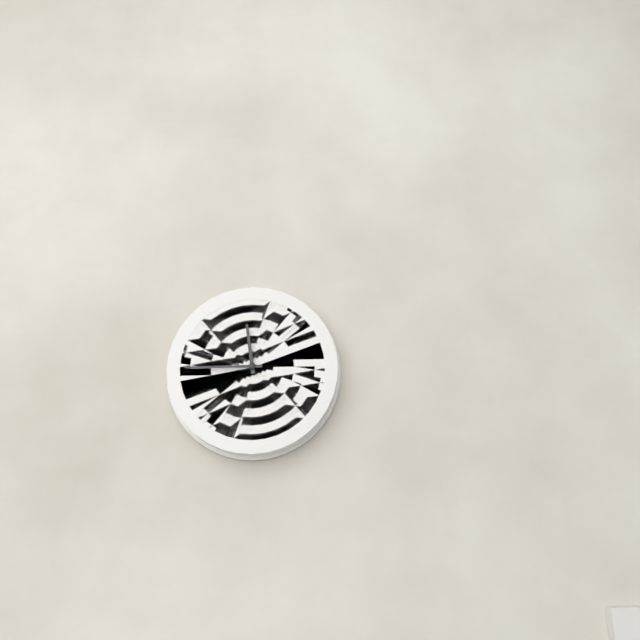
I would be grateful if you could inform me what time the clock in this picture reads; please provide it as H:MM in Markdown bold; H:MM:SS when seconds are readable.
**11:45**
